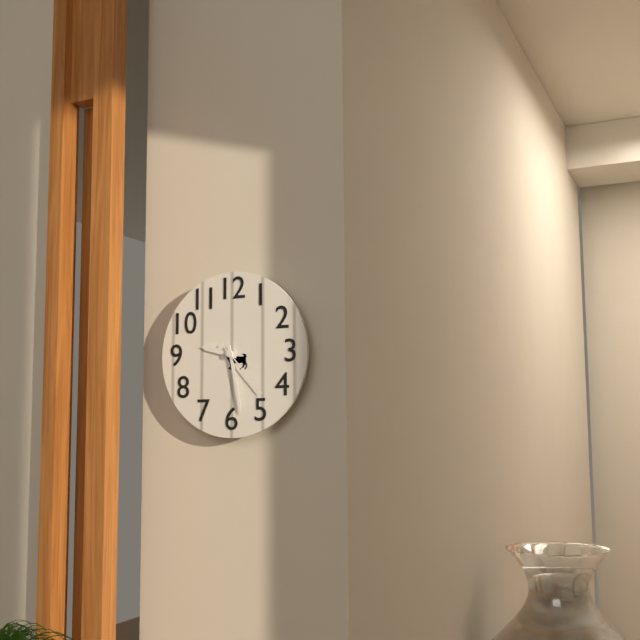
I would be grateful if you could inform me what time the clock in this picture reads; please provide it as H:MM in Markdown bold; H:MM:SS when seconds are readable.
**9:28:23**
